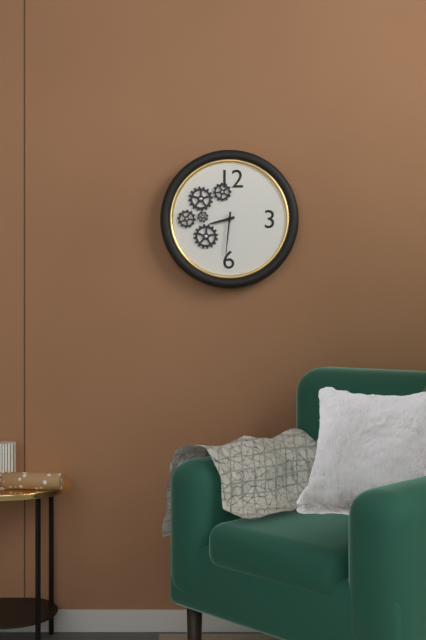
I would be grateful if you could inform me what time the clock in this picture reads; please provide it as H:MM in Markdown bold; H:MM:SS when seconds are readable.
**8:31**
